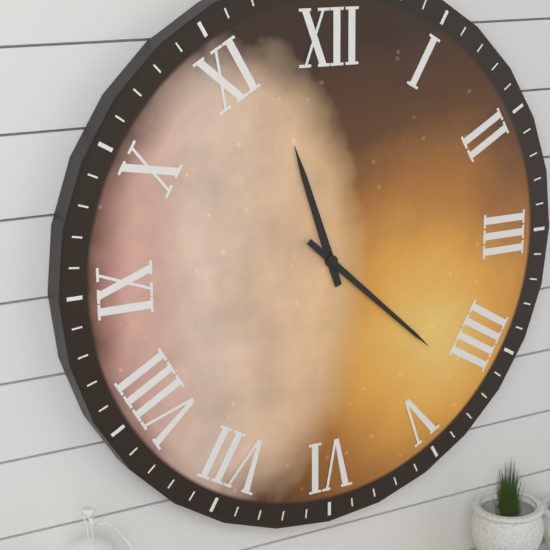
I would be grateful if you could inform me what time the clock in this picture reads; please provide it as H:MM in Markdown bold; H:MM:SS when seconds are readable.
**11:22**
